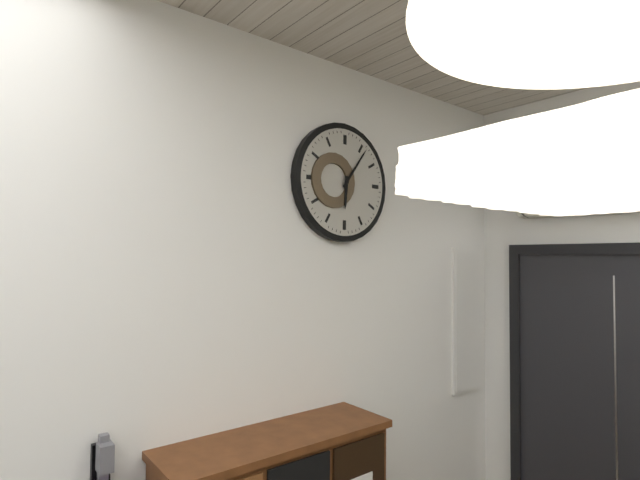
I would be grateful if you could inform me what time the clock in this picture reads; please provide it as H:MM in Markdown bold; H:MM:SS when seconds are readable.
**6:06**
